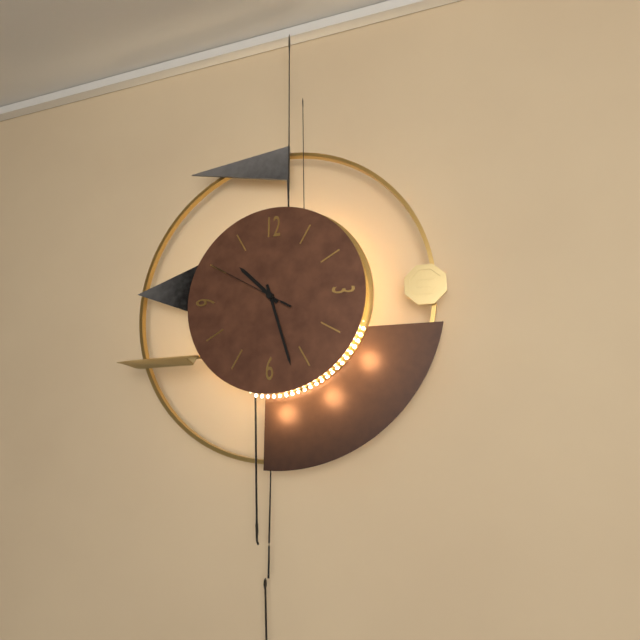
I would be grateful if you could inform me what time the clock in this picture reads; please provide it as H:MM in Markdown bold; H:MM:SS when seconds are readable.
**10:27:50**
